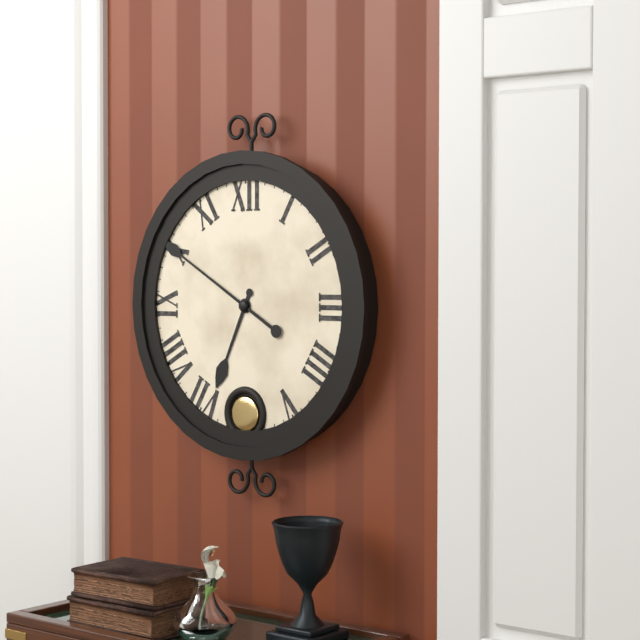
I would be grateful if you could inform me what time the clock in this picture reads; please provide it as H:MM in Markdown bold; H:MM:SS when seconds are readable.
**6:50**
